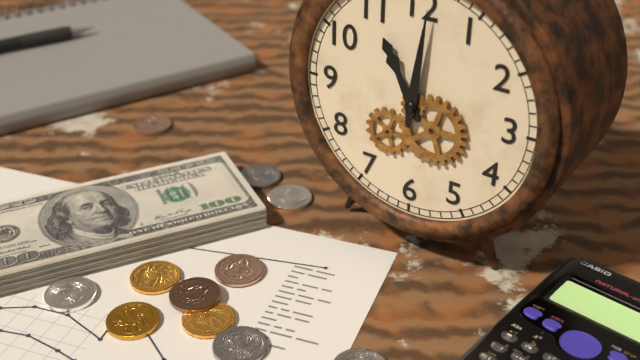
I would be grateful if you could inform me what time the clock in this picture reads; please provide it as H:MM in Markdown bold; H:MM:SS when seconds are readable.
**11:01**
